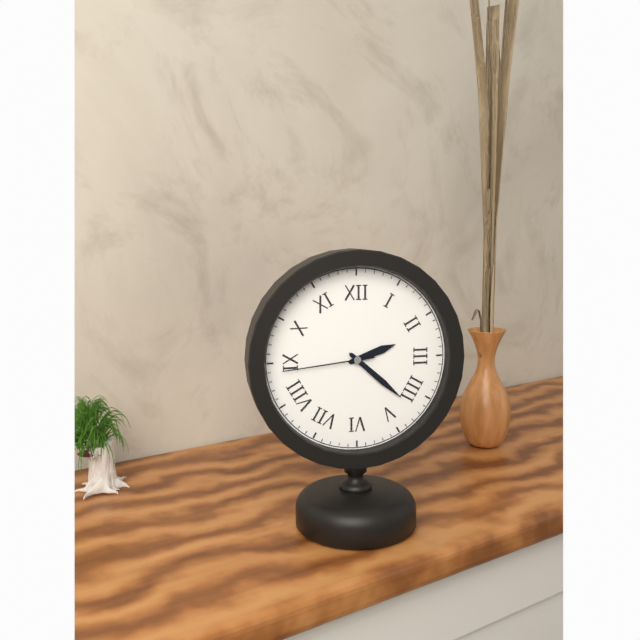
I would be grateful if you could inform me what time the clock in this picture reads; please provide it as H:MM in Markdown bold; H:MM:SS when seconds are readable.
**2:22:44**
